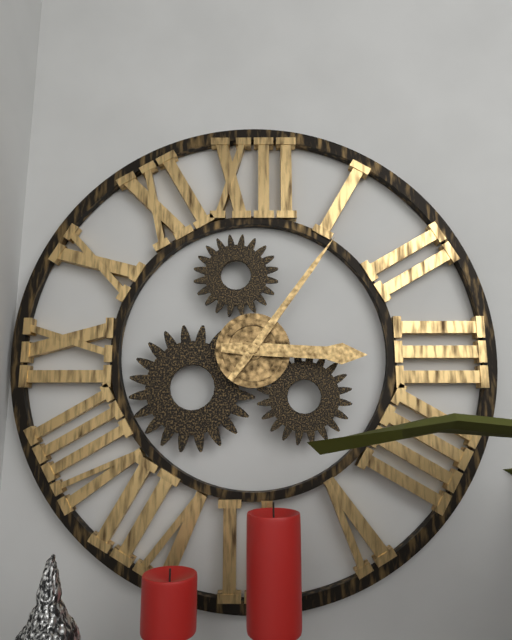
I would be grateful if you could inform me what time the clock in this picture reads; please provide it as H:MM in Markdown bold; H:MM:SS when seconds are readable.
**3:06**
